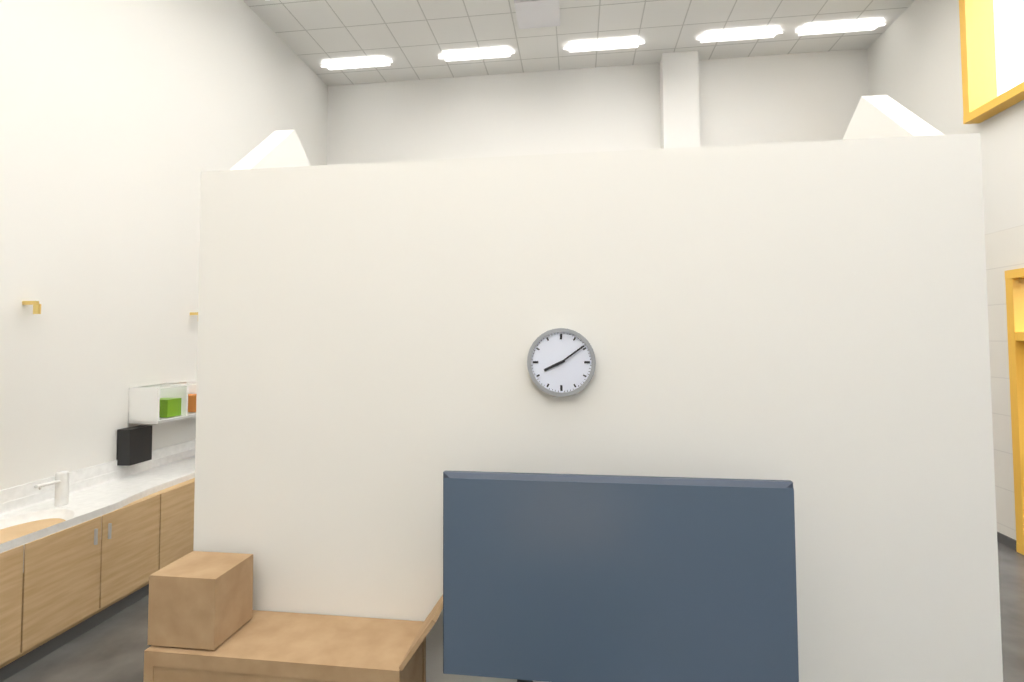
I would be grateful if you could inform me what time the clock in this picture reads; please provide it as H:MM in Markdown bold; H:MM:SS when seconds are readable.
**8:09**
